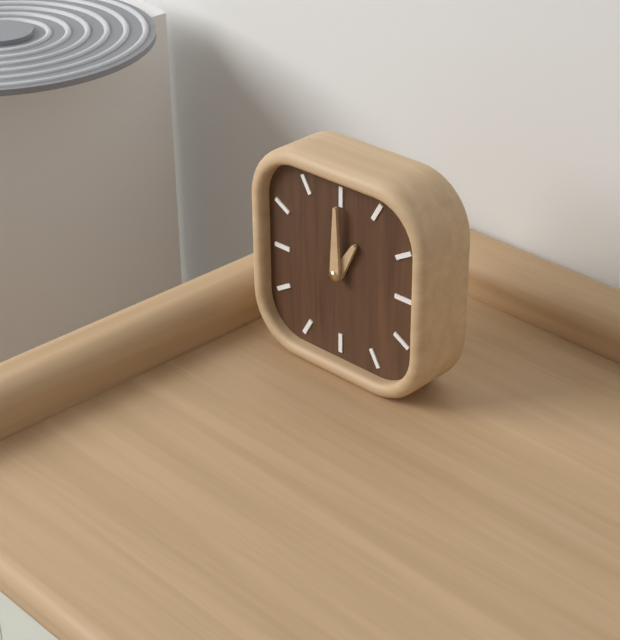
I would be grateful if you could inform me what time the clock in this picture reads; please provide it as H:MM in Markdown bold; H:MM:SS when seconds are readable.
**1:00**
